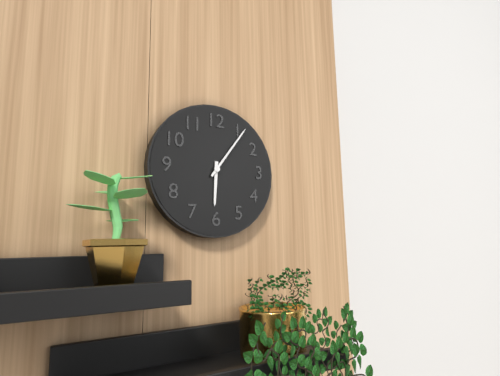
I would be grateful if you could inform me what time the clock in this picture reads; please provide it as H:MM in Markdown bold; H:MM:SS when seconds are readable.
**6:06**
